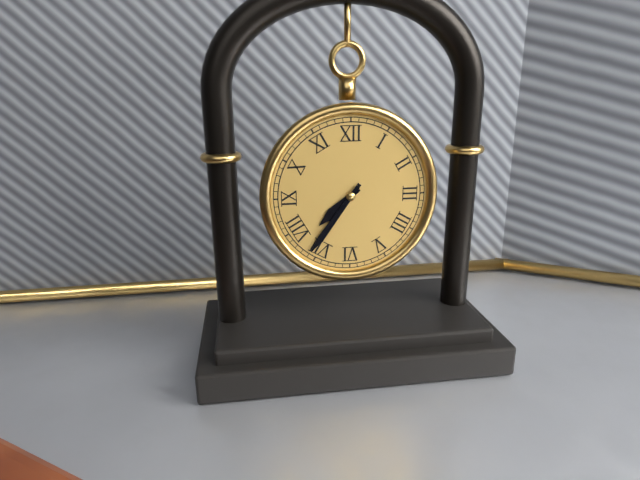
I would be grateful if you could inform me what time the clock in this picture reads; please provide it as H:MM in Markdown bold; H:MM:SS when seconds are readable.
**7:36**
